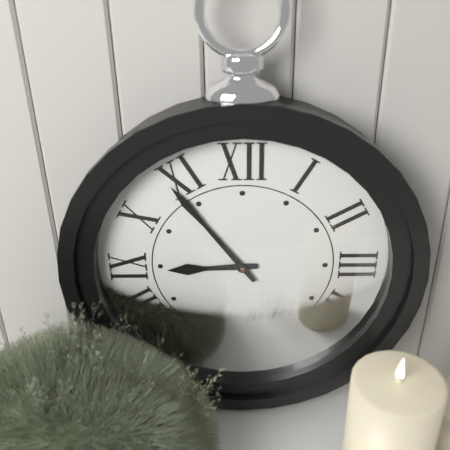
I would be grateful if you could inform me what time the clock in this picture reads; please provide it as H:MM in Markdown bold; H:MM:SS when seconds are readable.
**8:54**
